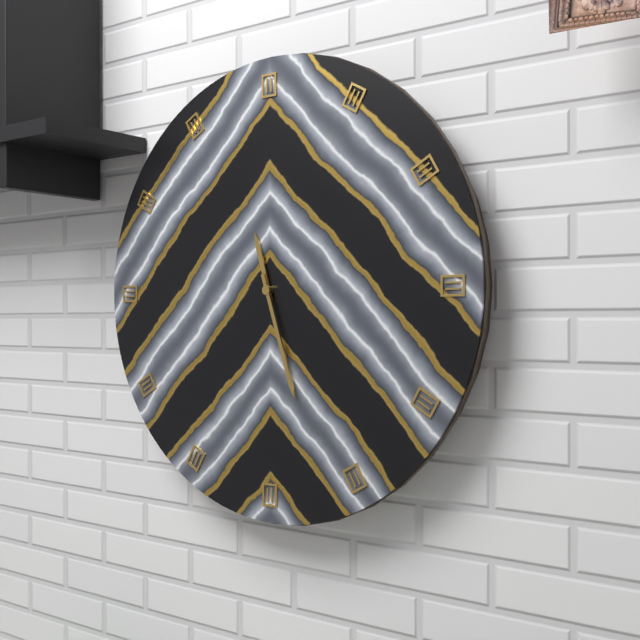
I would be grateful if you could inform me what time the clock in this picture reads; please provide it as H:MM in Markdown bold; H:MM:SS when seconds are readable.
**11:27**
